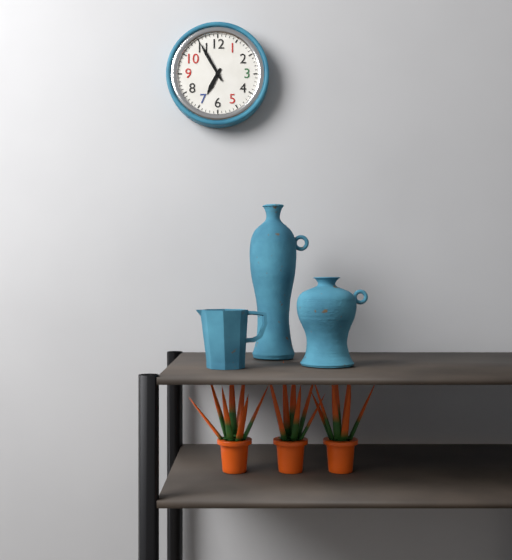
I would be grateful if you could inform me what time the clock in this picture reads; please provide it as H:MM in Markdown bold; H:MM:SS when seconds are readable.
**6:55**
